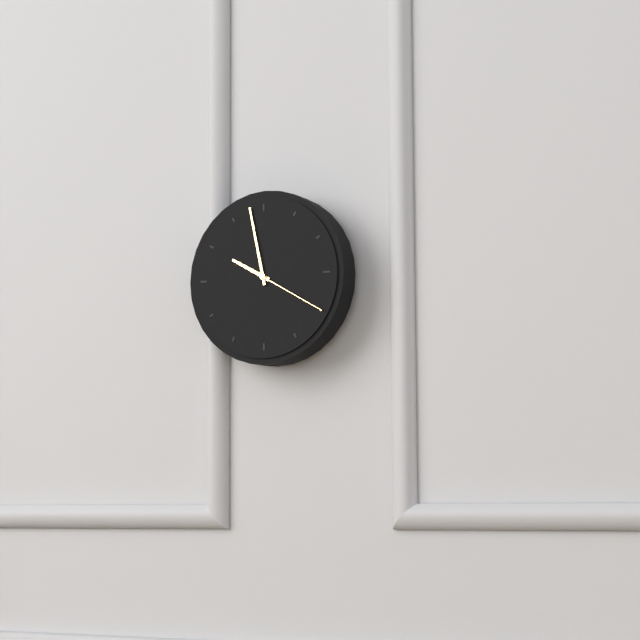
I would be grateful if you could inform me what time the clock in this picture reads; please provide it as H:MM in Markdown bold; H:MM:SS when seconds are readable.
**9:58:20**
